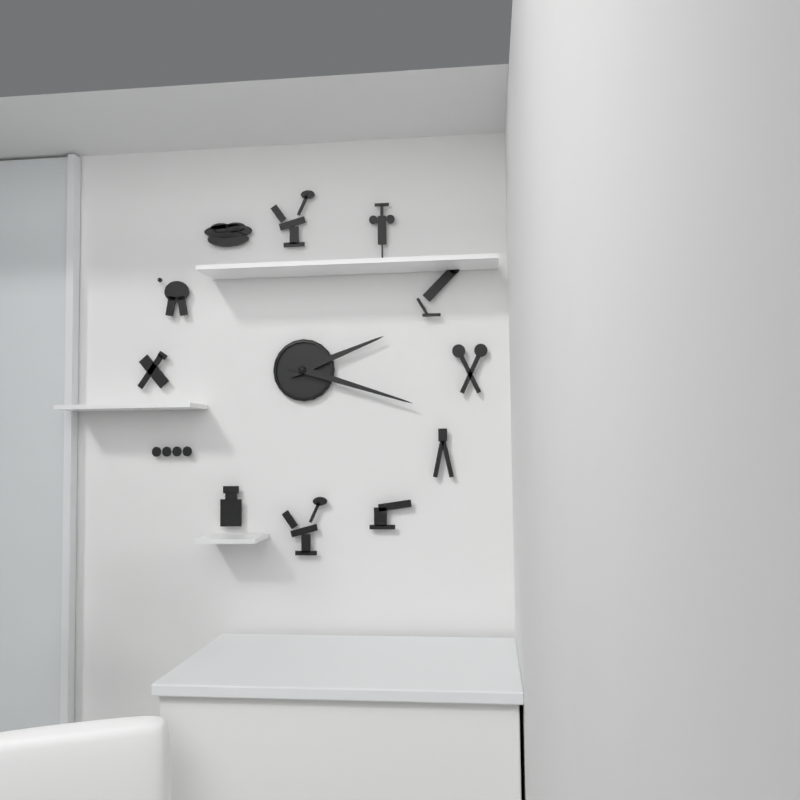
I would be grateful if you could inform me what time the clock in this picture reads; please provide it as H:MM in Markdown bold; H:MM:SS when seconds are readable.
**2:18**
